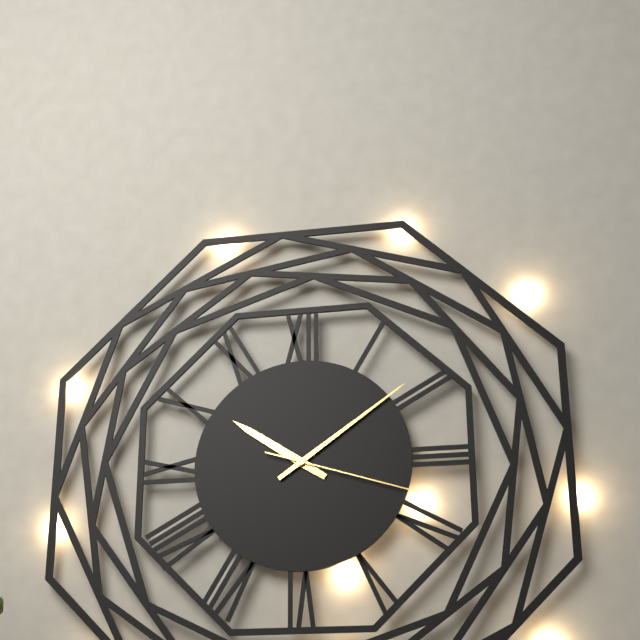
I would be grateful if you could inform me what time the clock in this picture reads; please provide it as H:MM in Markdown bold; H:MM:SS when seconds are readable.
**10:09:18**
